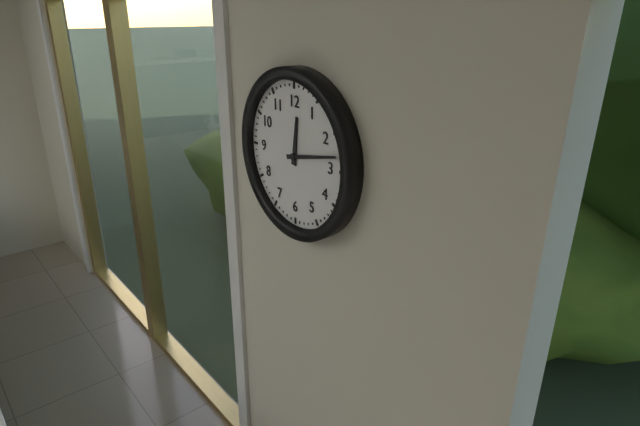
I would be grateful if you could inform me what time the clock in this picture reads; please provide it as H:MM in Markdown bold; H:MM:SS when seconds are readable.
**12:13**
